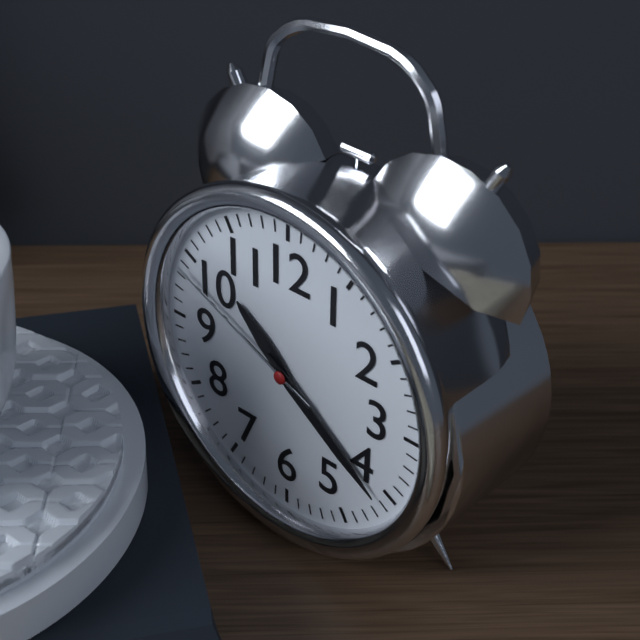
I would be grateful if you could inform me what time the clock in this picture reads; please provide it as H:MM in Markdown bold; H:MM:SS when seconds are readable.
**10:21:49**
